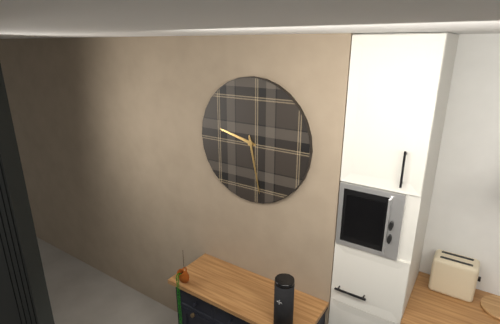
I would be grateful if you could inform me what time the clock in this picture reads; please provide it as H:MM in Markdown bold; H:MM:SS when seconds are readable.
**9:28**
